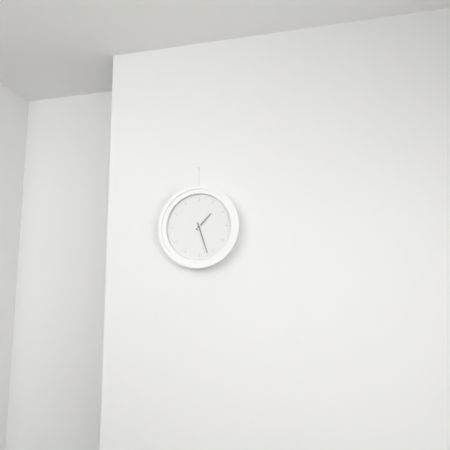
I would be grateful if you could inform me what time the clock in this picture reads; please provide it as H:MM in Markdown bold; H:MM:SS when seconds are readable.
**1:27**
